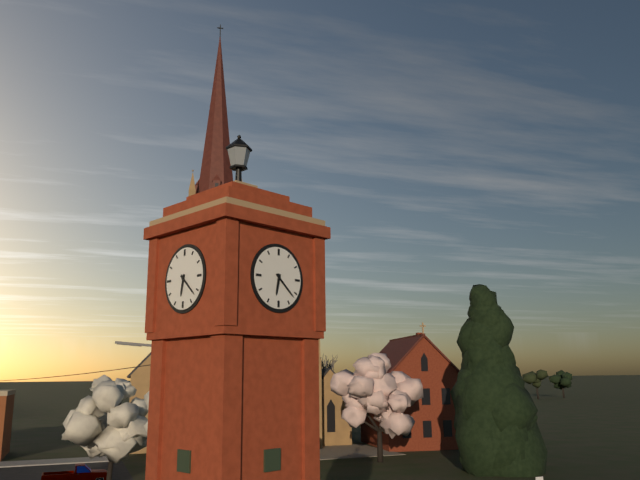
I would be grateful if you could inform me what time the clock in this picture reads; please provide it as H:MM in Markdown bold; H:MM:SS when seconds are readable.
**6:22**
